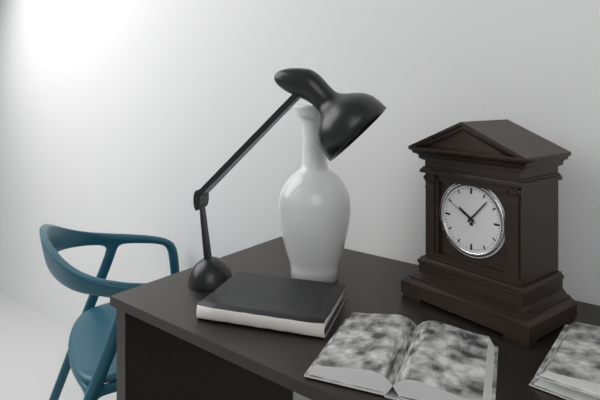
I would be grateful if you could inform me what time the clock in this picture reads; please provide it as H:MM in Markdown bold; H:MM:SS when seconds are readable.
**10:07**
